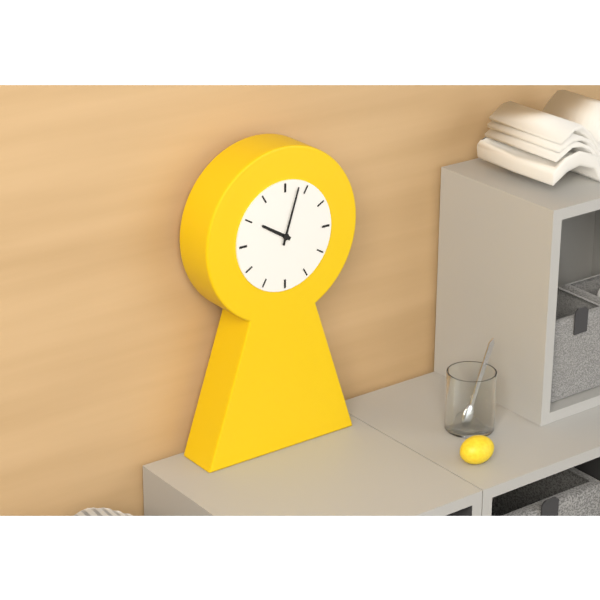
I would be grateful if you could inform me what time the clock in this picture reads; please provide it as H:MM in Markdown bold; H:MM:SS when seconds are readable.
**10:03**
